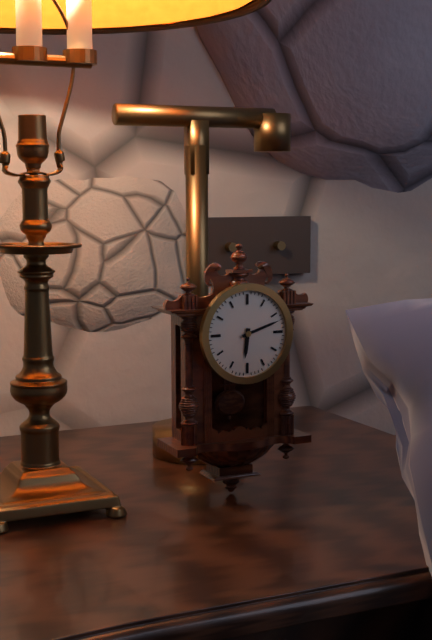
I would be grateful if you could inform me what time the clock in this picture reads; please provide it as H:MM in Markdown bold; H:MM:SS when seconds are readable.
**6:12**
